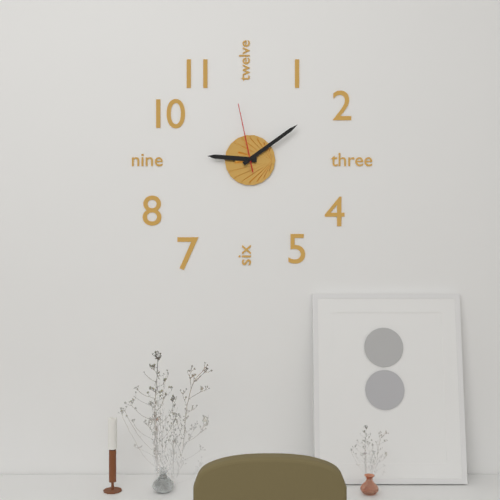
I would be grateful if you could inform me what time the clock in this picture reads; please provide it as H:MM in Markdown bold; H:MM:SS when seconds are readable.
**9:09:58**
